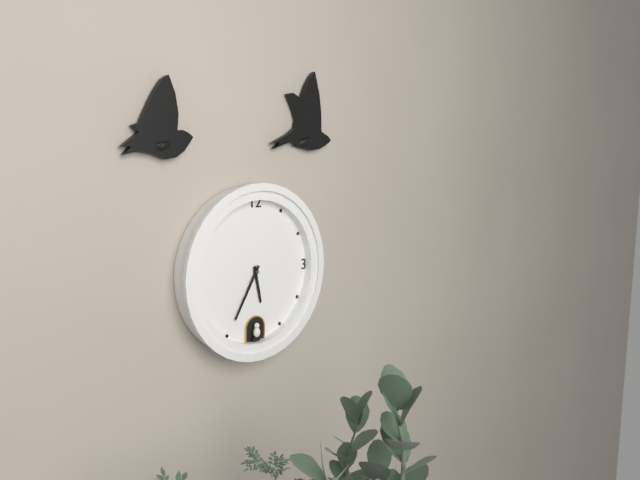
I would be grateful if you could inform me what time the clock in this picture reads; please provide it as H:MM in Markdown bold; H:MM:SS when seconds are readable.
**5:35**
